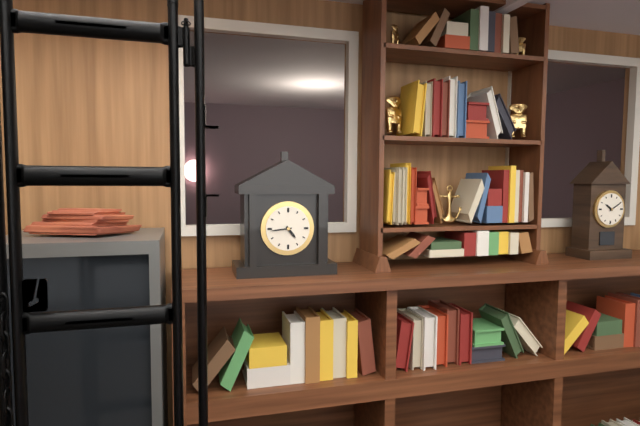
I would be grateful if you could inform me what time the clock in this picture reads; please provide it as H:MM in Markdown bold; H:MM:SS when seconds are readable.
**4:44**
